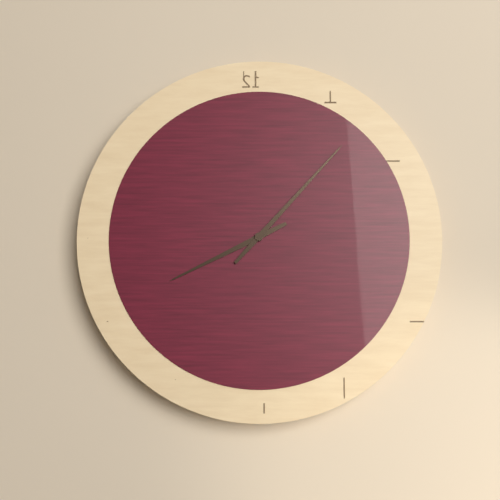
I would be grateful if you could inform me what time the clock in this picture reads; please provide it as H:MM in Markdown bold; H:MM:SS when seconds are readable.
**8:07**
